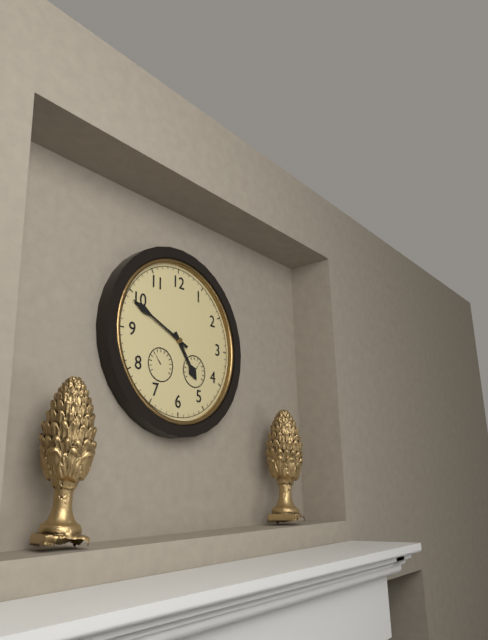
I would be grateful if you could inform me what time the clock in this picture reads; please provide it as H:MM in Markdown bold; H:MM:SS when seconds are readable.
**4:49**
